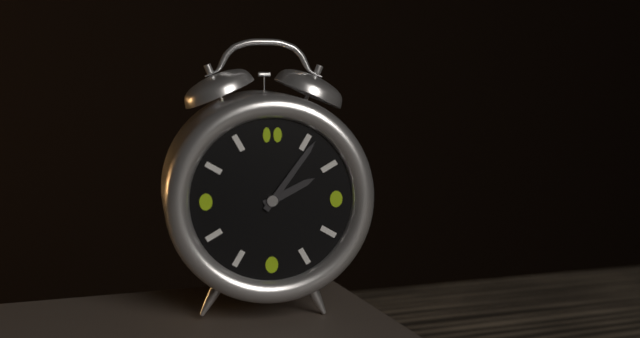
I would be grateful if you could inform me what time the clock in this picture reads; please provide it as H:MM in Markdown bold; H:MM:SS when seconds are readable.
**2:06**
